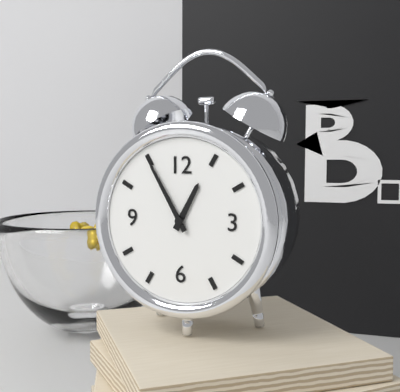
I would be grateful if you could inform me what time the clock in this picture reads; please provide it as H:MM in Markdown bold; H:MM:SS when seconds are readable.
**12:55**
